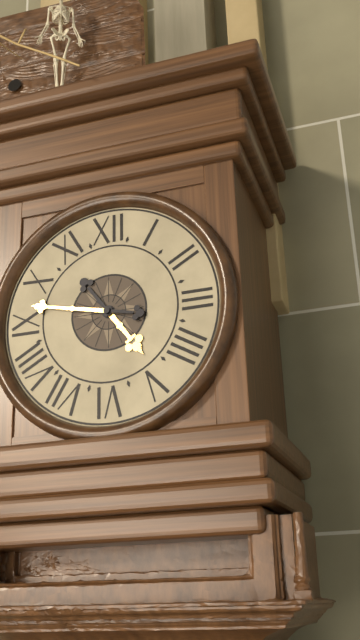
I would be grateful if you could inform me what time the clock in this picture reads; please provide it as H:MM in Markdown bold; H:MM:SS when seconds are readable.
**4:47**
